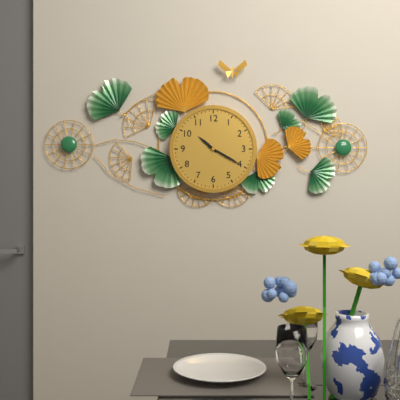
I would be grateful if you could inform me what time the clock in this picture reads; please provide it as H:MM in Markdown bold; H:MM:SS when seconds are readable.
**10:20**
